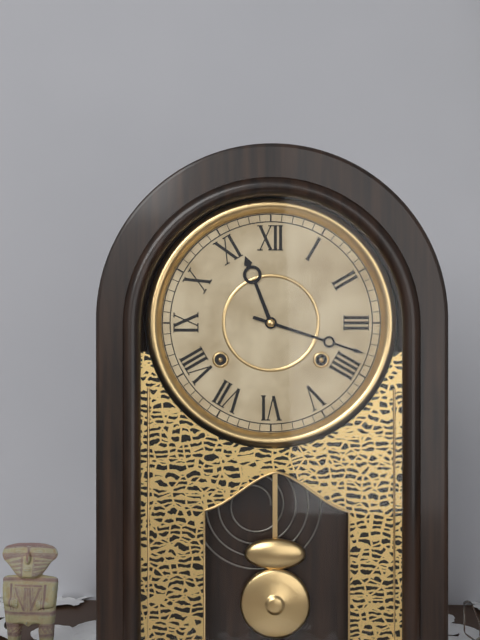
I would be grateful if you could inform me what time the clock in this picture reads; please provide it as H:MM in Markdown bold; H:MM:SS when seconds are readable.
**11:18**
